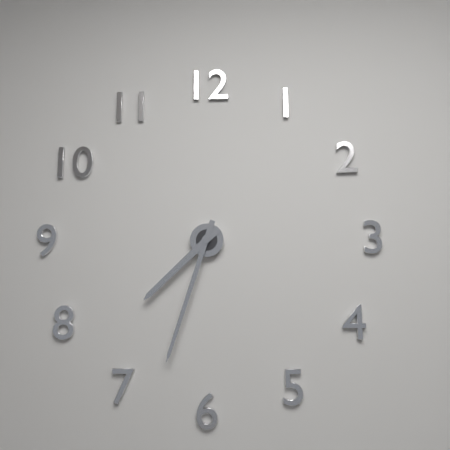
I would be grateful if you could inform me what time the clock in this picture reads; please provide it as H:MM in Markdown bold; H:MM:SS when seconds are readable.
**7:33**
